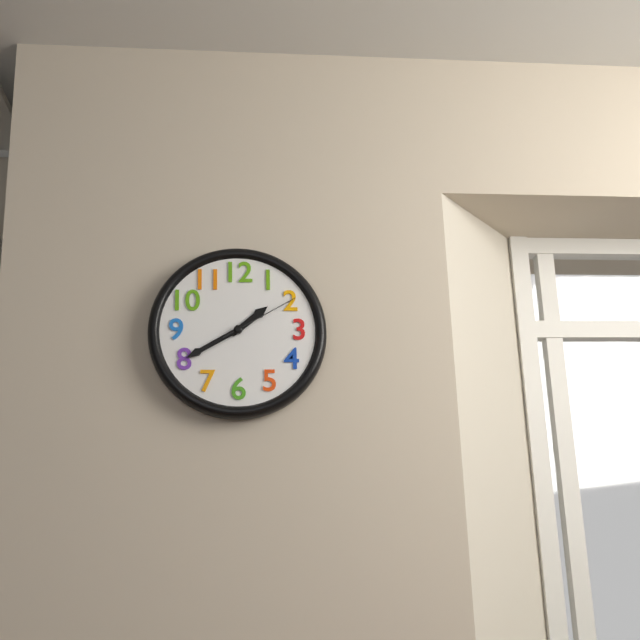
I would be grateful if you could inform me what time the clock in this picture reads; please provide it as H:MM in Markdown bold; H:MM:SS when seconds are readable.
**1:40:10**
